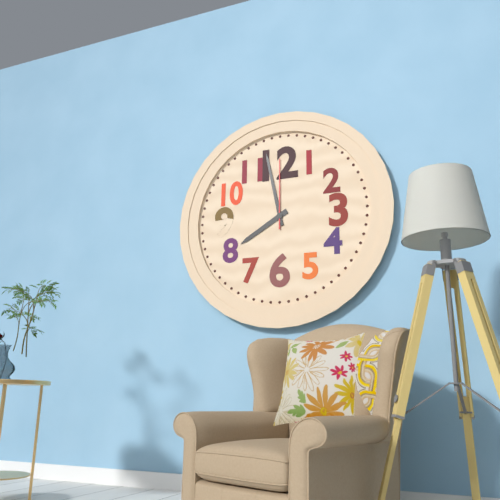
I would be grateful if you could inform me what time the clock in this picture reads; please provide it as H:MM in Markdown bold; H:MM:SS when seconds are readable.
**7:58:00**
